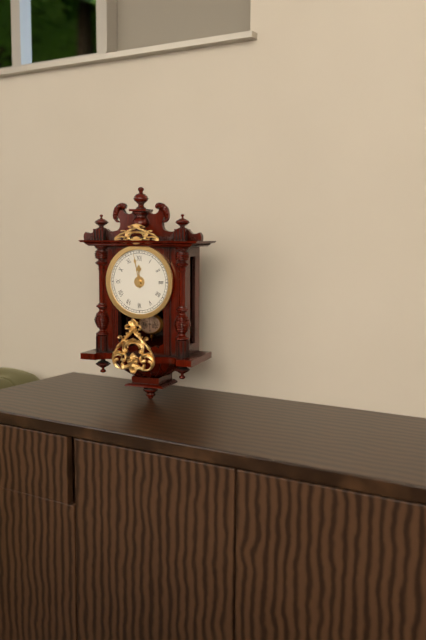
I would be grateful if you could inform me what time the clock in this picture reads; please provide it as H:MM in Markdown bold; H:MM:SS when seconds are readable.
**11:58**
